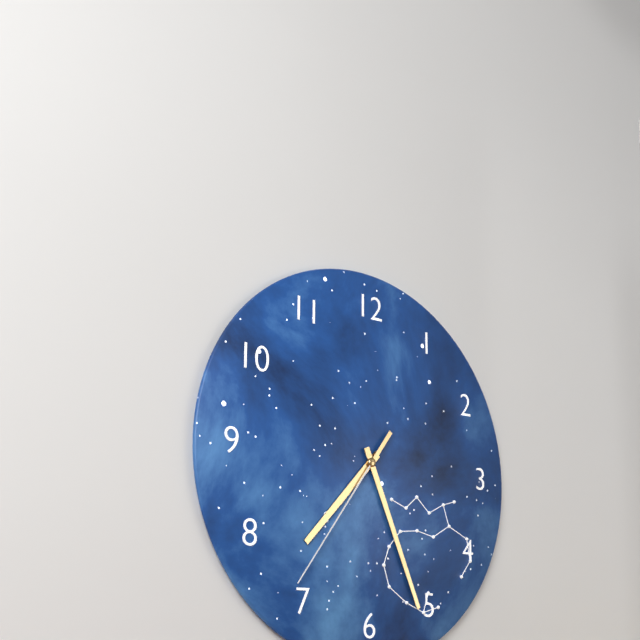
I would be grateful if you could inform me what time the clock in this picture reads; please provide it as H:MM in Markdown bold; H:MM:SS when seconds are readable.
**7:26:36**
